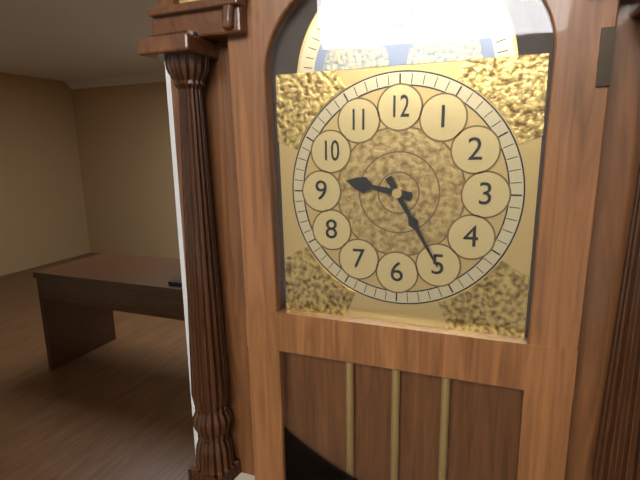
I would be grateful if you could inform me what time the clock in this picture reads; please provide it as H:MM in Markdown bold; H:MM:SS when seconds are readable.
**9:25**
